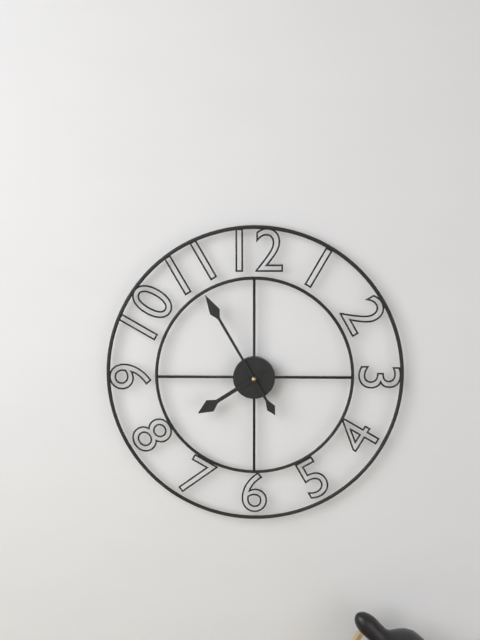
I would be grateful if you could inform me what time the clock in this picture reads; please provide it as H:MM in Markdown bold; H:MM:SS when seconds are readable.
**7:55**
